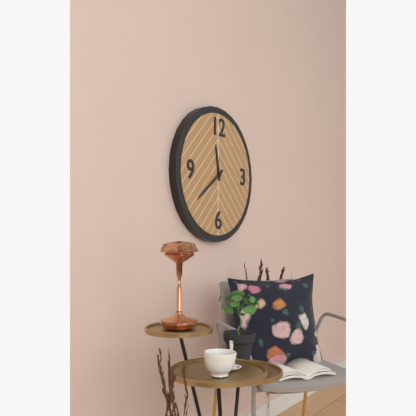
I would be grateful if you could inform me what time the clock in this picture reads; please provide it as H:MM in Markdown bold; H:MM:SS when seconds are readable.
**11:39**
